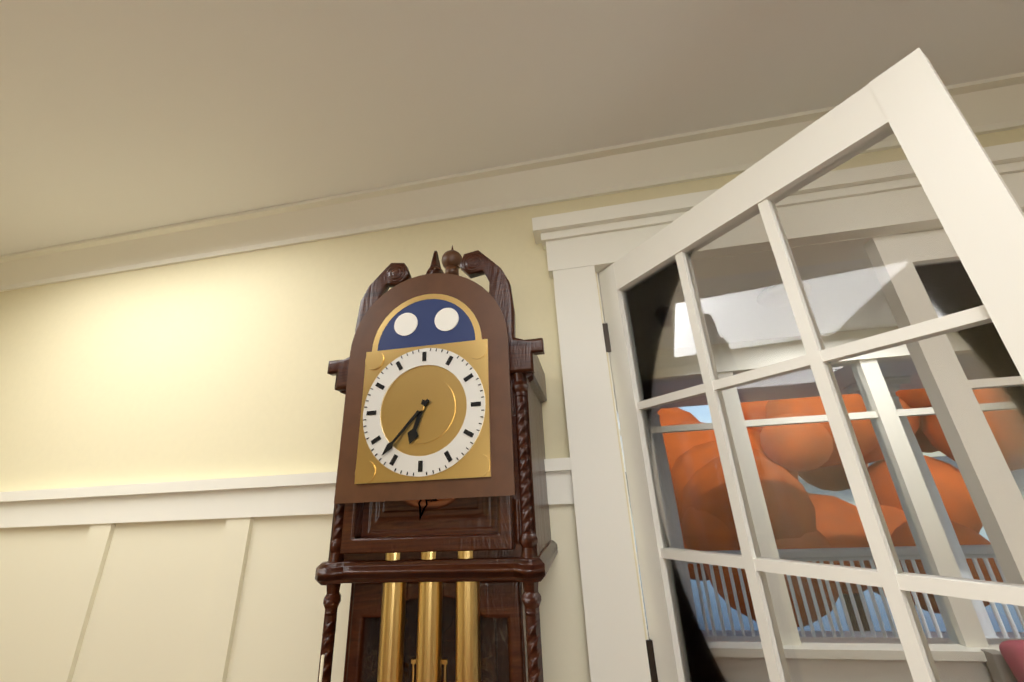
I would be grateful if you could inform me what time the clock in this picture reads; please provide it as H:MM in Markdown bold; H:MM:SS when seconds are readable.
**6:37**
